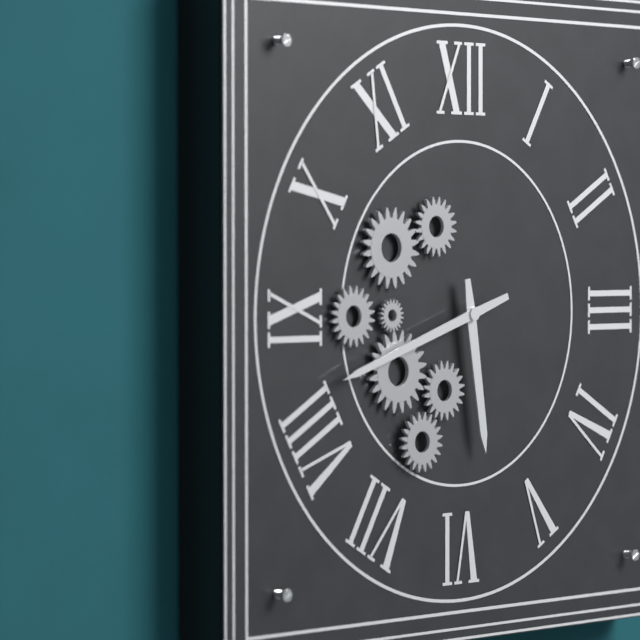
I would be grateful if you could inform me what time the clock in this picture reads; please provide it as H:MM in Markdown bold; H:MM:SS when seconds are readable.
**5:42**
